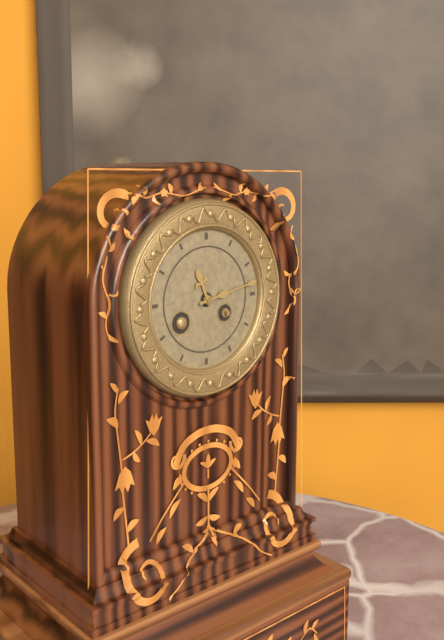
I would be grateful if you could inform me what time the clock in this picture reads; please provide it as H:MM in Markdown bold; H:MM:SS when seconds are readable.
**11:13**
